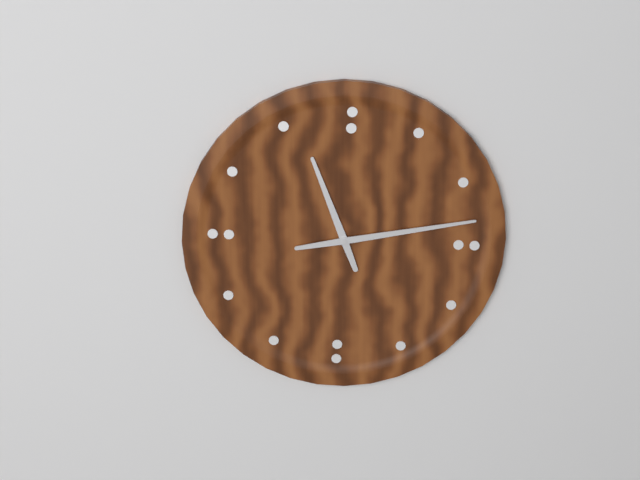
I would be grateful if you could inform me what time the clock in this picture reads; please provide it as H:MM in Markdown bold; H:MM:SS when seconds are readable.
**11:13**
